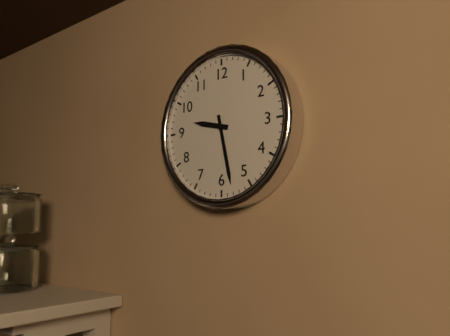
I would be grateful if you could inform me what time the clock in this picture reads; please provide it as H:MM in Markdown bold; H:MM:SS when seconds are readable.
**9:28**
